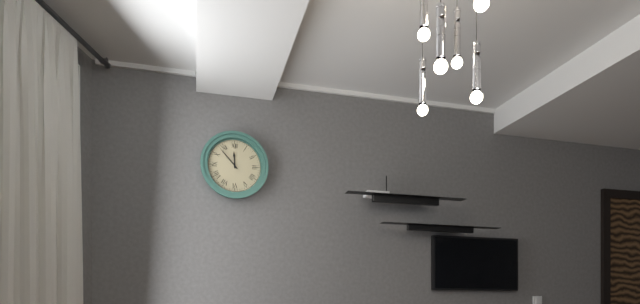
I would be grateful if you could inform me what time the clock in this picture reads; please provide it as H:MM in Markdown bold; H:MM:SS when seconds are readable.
**11:53**
